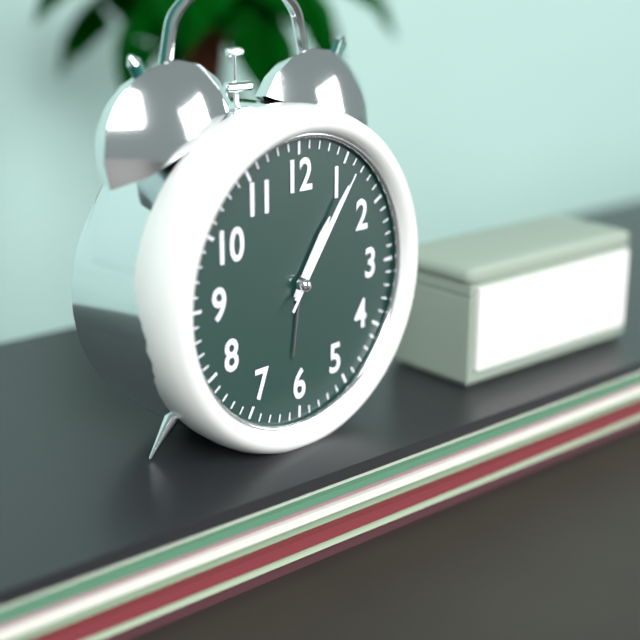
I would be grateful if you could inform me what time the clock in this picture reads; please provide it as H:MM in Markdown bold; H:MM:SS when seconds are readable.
**1:06:06**
